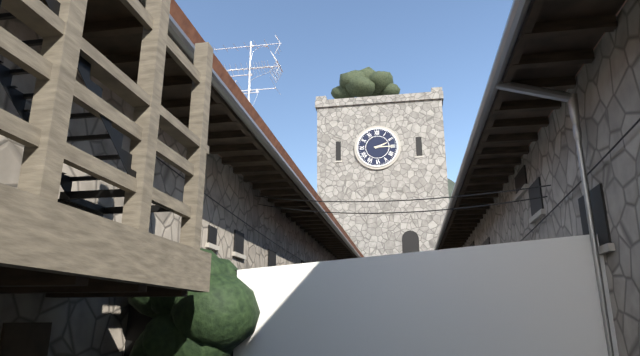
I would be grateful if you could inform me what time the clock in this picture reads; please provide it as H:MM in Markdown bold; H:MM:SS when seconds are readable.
**2:15**
